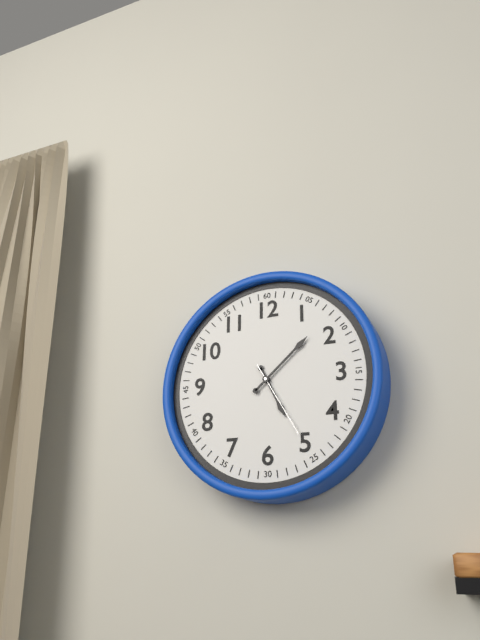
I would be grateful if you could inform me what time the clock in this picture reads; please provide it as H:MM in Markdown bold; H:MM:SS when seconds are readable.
**5:08:25**
